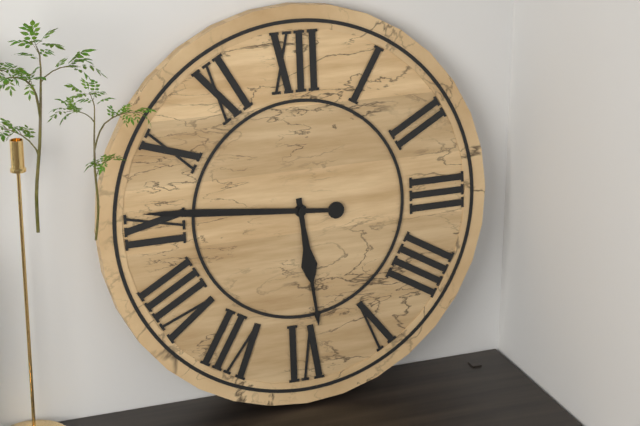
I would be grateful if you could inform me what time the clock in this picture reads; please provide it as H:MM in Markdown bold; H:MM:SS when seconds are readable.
**5:46**
